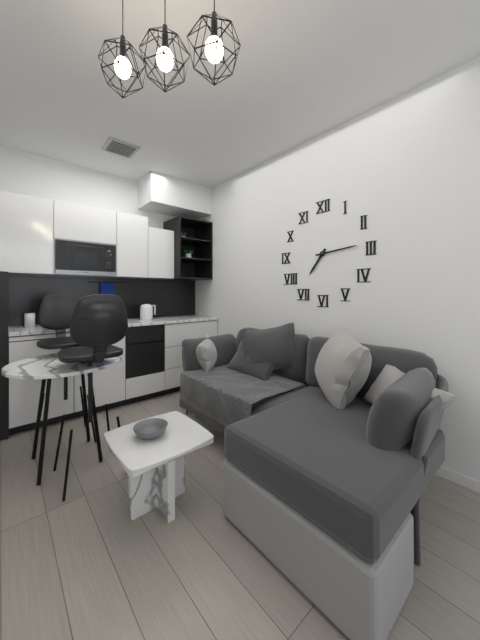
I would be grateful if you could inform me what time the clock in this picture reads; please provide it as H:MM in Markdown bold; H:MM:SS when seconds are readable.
**7:14**
